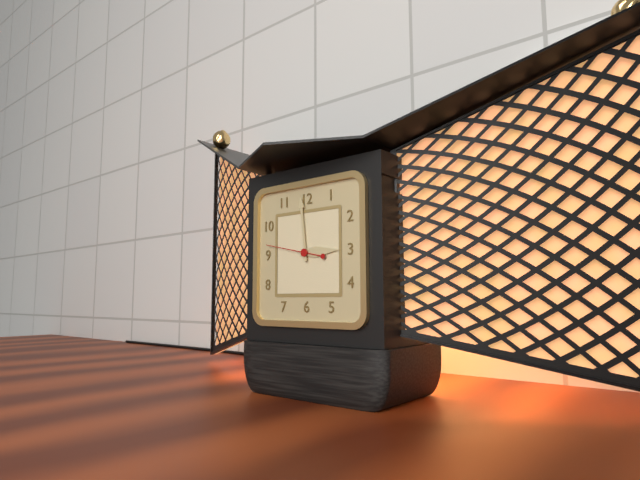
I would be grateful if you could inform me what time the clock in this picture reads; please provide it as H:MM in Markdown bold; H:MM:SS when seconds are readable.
**2:59**
